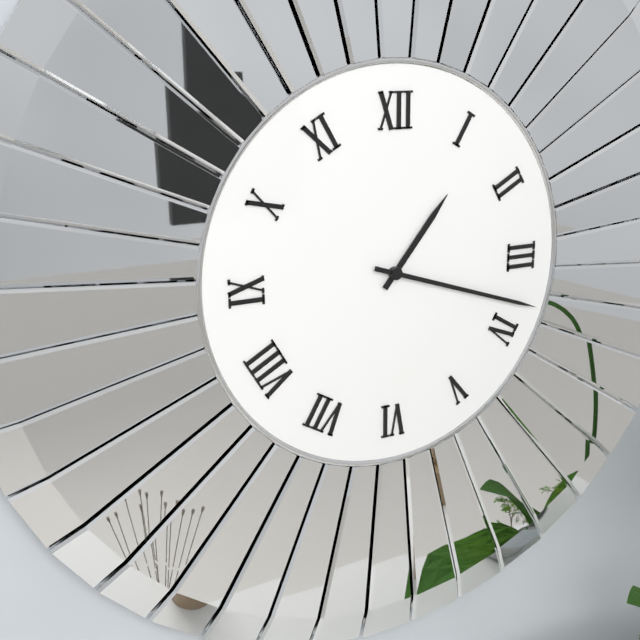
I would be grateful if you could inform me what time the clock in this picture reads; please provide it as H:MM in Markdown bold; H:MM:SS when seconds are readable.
**1:18**
